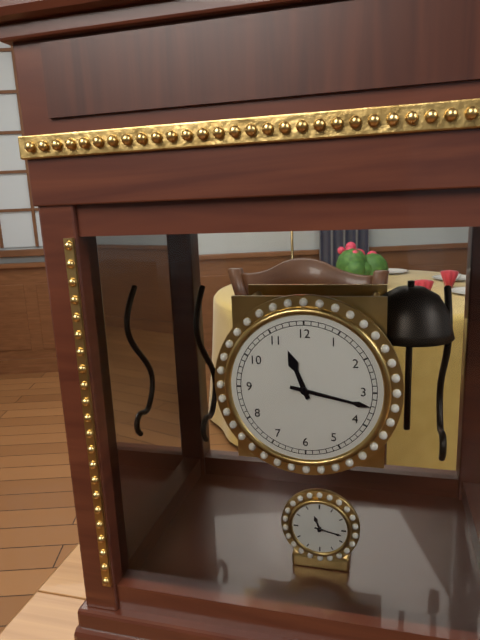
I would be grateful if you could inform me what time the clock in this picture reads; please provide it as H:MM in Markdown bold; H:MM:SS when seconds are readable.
**11:17**
